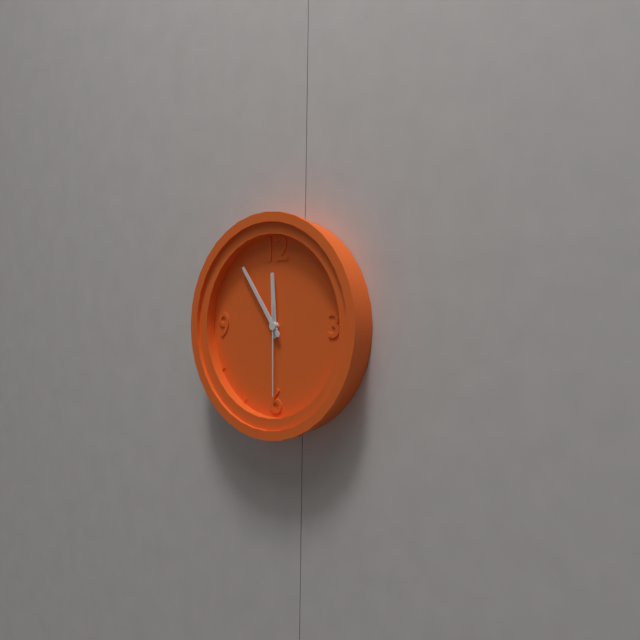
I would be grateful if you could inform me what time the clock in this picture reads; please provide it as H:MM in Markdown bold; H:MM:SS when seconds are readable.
**11:54:30**
